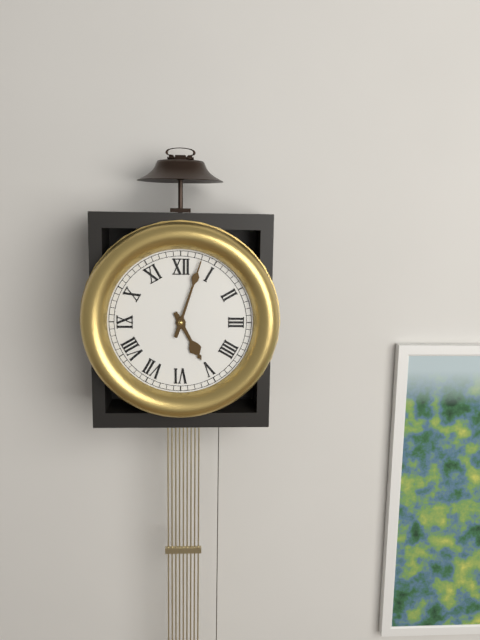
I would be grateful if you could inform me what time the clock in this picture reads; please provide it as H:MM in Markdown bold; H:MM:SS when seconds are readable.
**5:03**
